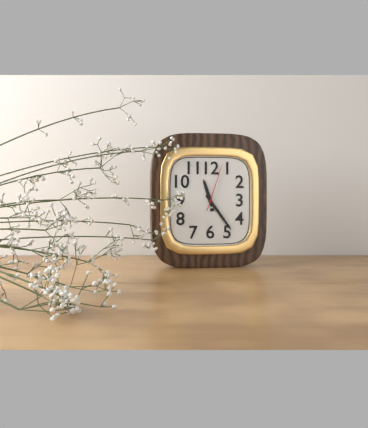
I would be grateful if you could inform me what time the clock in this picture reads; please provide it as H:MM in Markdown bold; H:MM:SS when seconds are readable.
**11:24:03**
